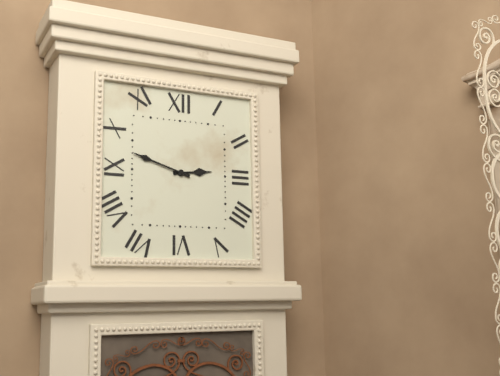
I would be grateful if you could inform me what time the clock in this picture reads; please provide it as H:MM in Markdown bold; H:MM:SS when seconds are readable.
**2:48**
